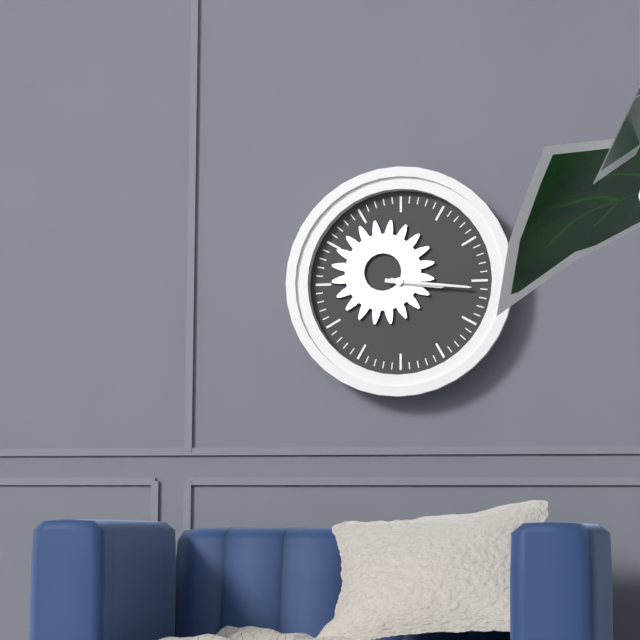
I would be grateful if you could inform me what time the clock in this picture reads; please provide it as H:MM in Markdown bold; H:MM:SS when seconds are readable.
**3:16**
